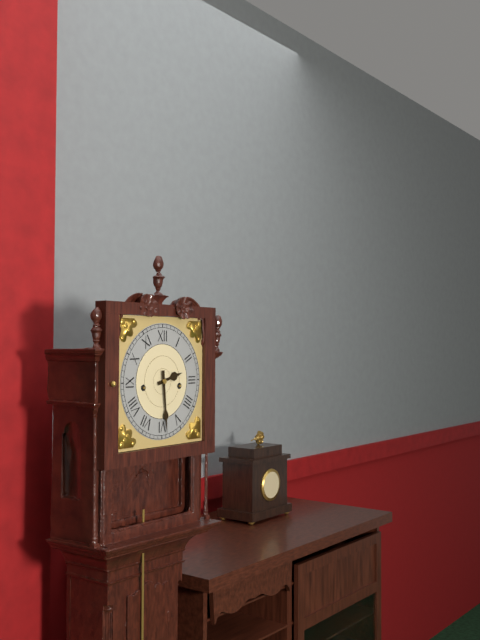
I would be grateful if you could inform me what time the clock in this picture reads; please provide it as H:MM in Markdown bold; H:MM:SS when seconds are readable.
**2:29**
